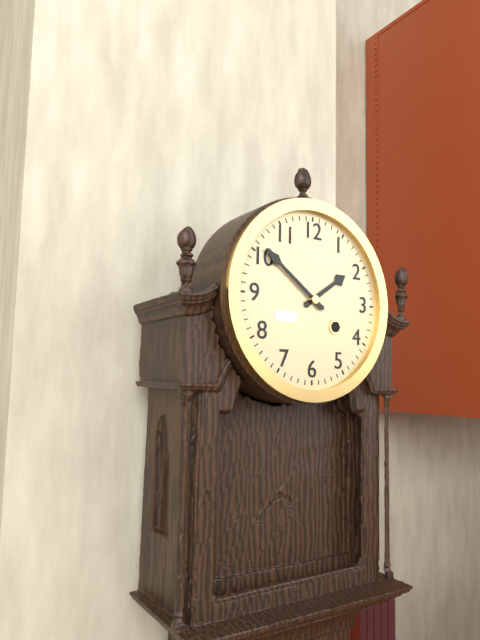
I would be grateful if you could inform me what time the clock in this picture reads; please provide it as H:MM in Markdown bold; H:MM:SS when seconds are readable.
**1:51**
